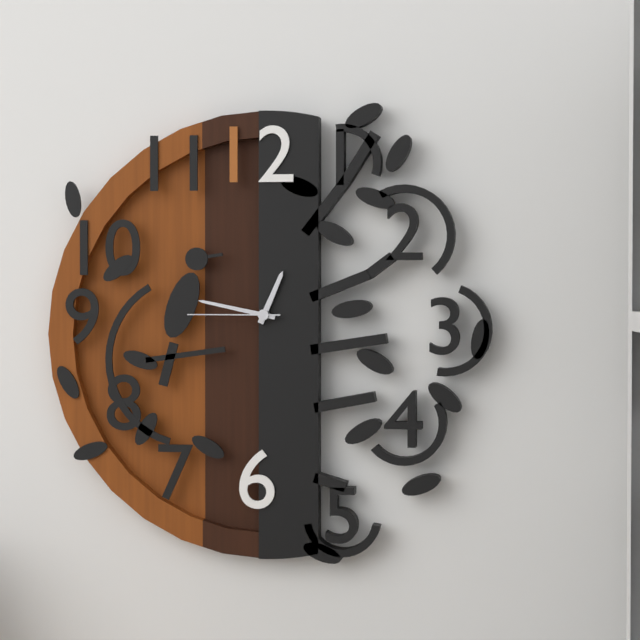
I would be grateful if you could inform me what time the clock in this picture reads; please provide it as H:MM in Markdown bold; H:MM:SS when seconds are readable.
**12:47:45**
